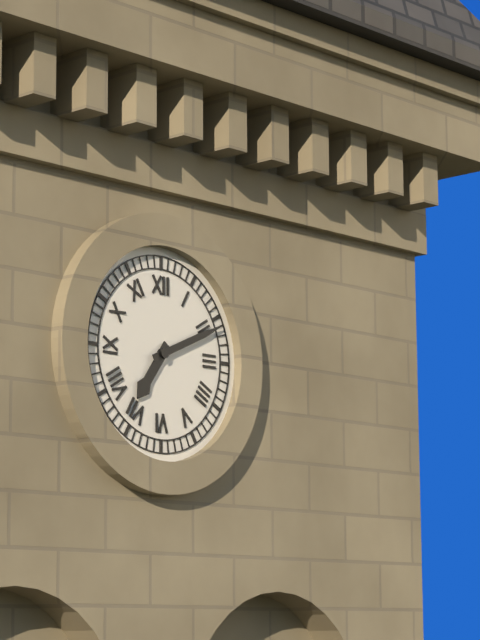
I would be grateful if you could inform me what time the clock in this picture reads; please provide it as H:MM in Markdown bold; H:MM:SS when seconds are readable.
**7:11**
